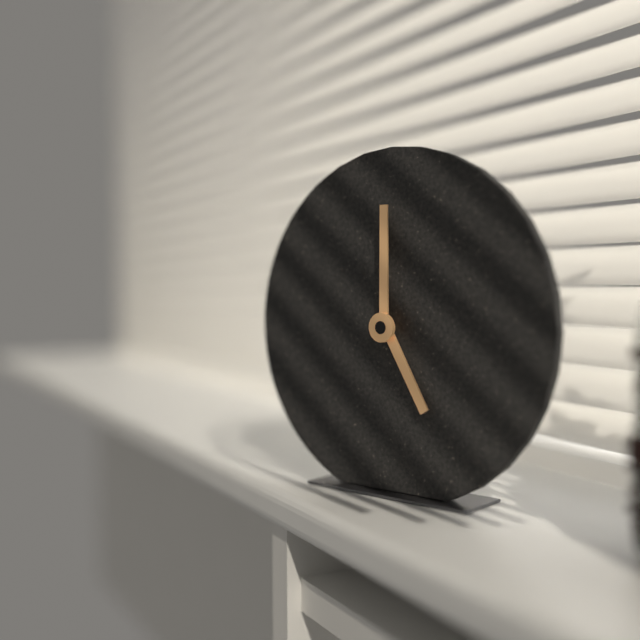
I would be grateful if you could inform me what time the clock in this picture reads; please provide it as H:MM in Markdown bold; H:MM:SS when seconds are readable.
**5:00**
